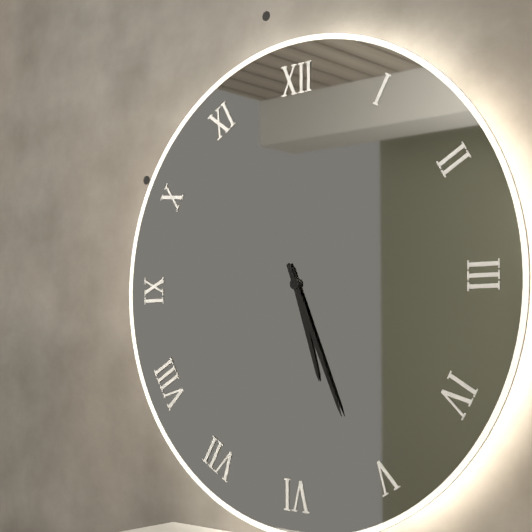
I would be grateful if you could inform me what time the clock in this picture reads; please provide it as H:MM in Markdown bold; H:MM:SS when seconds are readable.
**5:26**
